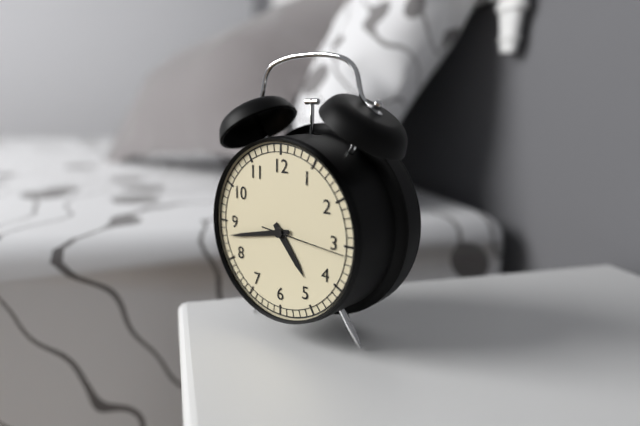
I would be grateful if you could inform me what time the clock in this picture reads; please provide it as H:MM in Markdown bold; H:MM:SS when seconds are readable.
**4:43:16**
